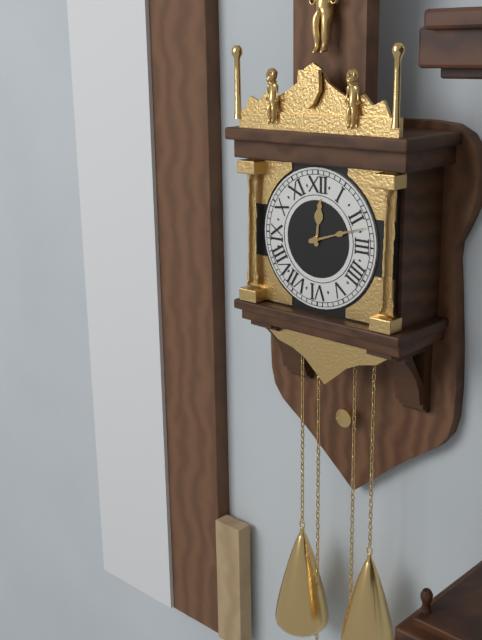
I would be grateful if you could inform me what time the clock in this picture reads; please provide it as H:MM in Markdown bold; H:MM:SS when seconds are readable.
**12:12**
